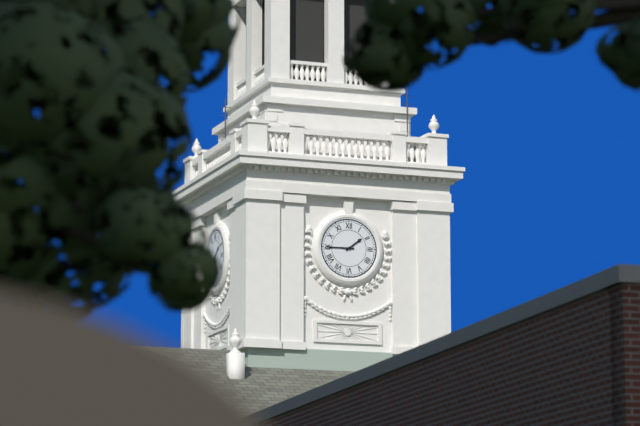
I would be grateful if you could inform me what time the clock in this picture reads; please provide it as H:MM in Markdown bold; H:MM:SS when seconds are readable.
**1:45**
